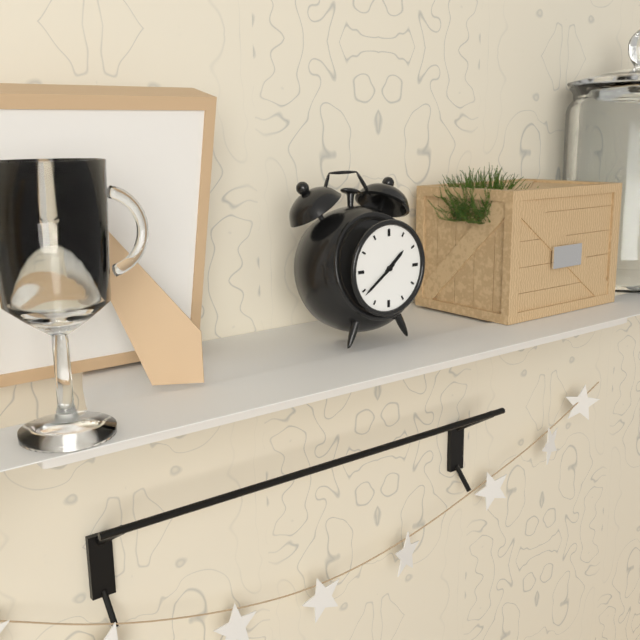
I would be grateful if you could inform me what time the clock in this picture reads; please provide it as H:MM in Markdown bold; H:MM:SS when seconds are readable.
**1:39**
